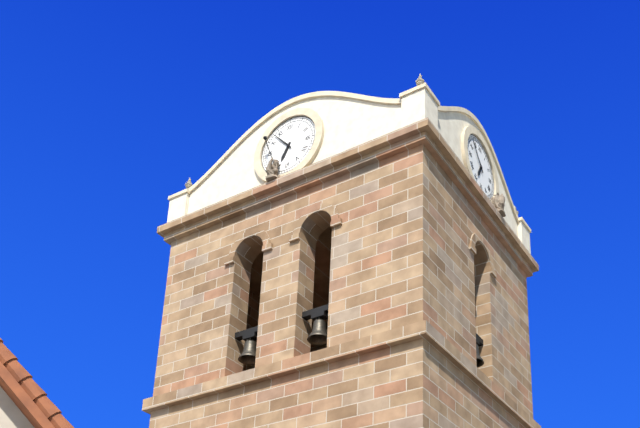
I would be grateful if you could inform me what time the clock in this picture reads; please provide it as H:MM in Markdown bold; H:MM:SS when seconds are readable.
**6:53**
